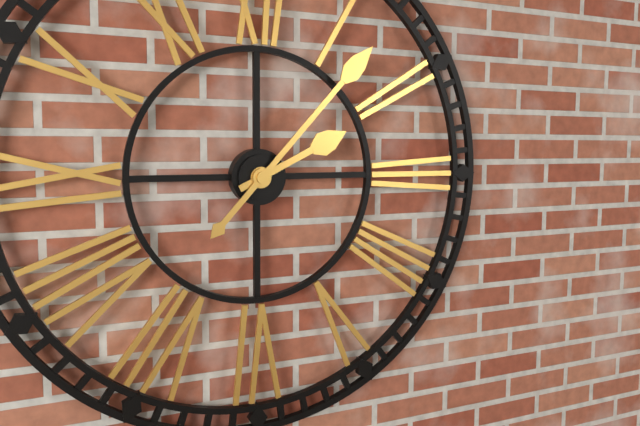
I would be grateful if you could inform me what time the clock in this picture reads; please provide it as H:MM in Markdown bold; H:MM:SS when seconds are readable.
**2:07**
